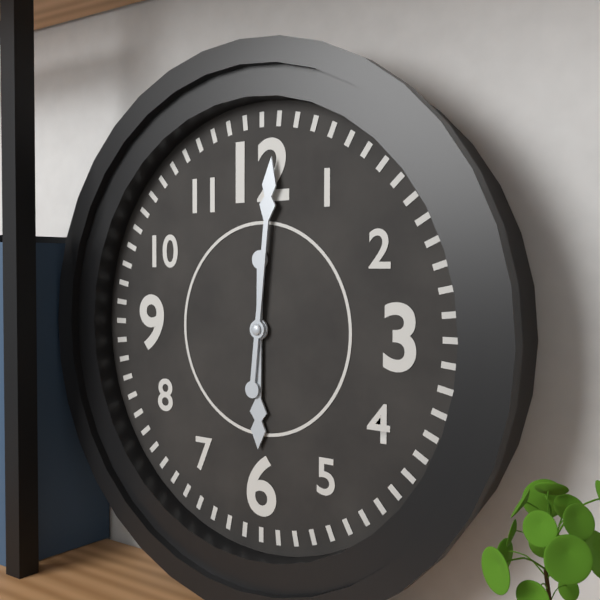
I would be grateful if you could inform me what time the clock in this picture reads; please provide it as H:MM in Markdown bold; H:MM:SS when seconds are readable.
**6:01**
